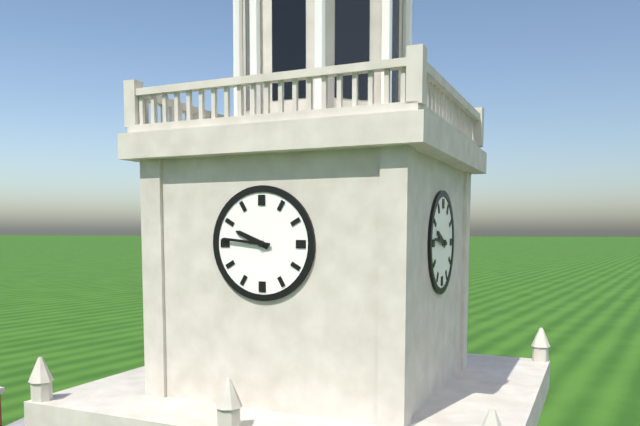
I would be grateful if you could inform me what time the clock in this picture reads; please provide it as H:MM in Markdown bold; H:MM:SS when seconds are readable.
**9:46**
